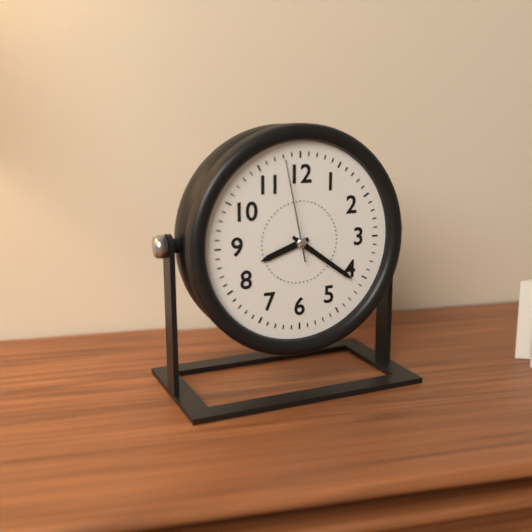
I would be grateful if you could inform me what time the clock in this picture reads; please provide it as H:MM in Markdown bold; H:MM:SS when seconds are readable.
**8:21:58**
